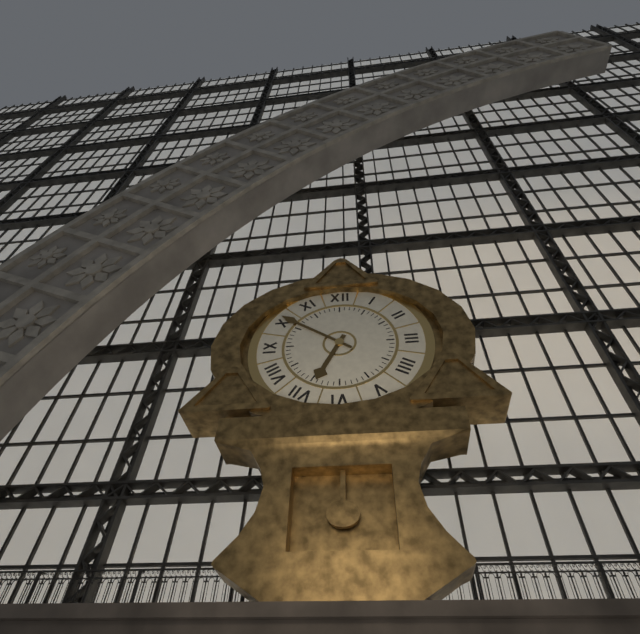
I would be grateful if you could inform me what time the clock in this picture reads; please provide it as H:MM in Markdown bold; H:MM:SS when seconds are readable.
**6:51**
